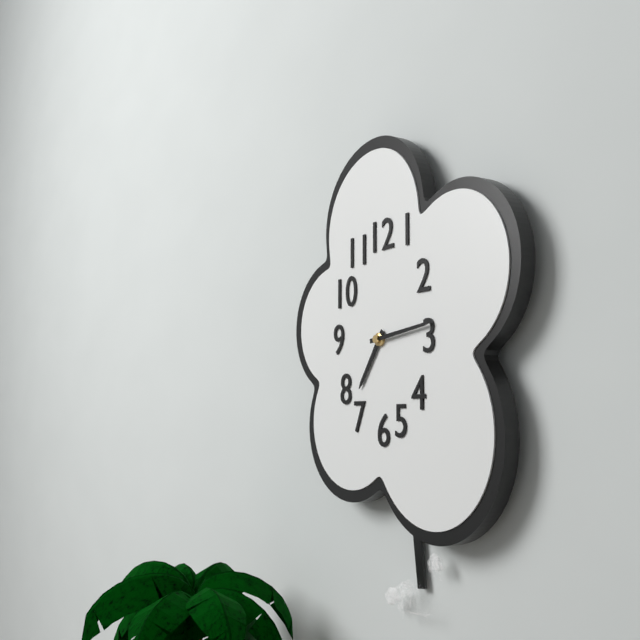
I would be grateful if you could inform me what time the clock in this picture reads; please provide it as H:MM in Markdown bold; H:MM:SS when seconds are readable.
**7:14**
